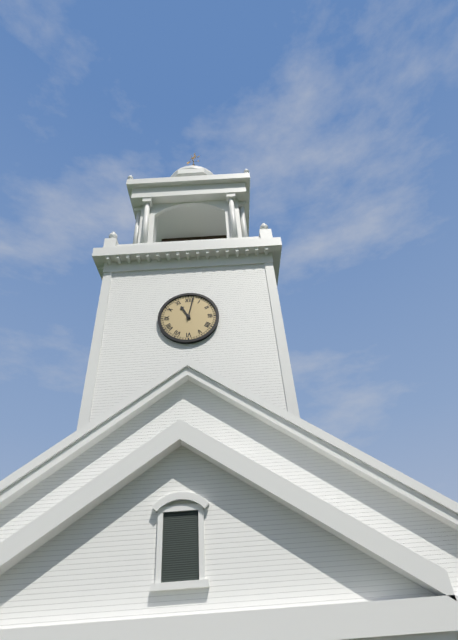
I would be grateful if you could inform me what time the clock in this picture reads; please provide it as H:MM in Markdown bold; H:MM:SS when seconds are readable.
**11:02**
